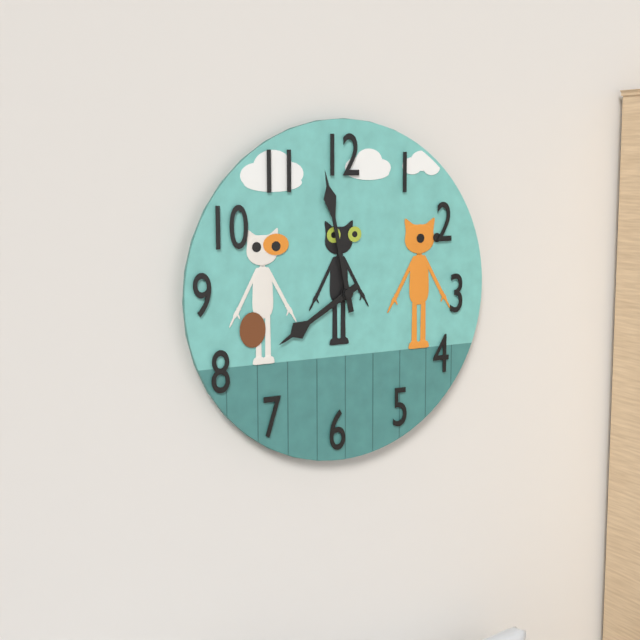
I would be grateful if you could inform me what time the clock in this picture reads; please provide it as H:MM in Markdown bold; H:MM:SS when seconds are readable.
**7:58**
